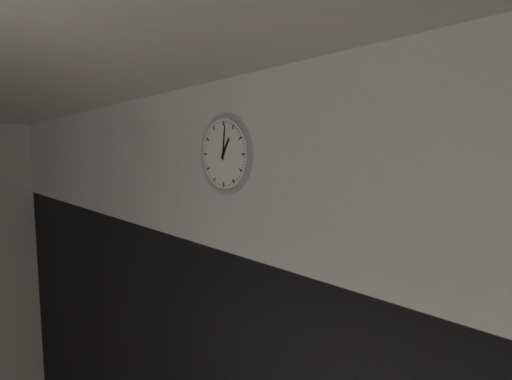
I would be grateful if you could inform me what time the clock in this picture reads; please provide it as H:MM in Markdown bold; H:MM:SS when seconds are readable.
**1:01**
